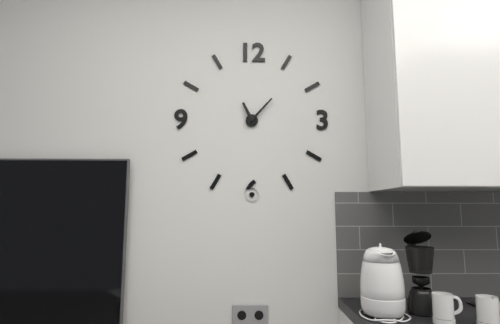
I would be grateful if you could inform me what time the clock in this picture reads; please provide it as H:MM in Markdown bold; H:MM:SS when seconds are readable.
**11:07**
